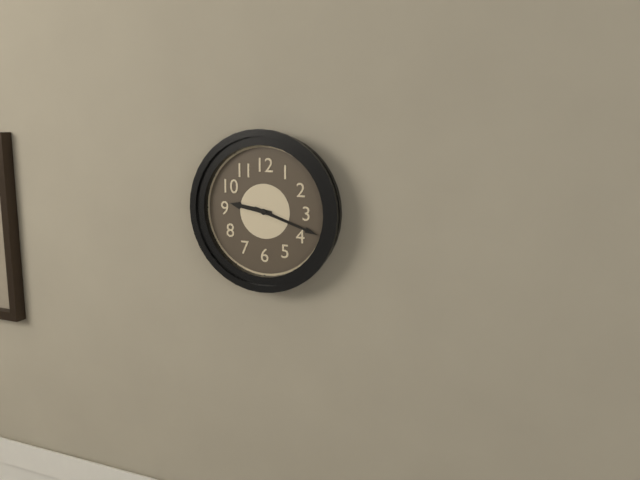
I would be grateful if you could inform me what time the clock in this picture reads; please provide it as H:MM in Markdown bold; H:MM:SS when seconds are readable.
**9:18**
